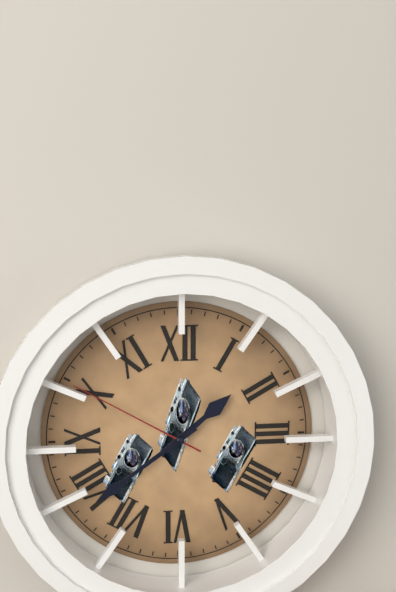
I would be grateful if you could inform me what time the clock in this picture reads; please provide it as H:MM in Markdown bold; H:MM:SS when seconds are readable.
**1:39:50**
